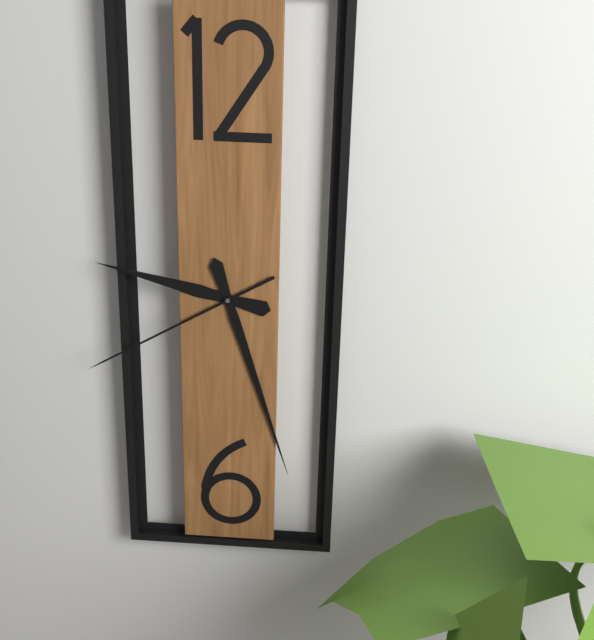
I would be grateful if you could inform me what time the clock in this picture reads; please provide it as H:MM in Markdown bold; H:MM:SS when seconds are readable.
**9:27:40**
